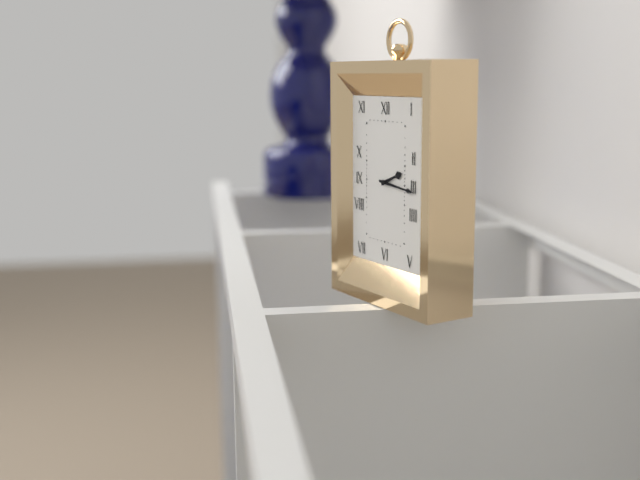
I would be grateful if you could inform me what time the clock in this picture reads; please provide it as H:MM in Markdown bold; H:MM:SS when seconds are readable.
**2:16**
